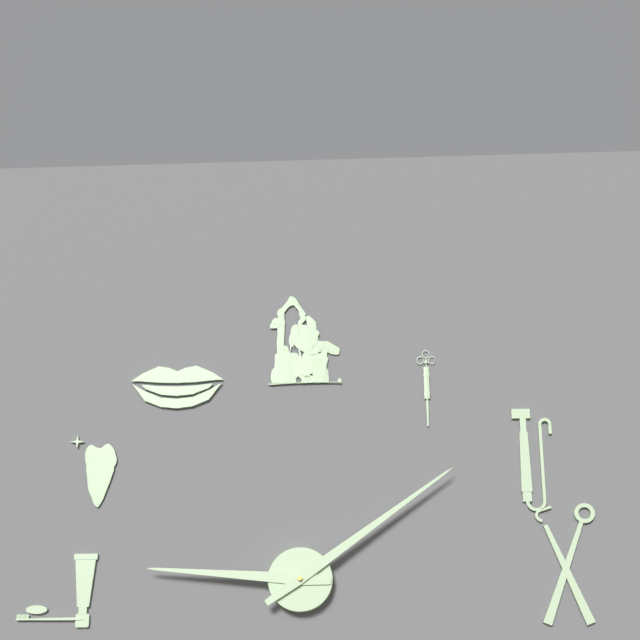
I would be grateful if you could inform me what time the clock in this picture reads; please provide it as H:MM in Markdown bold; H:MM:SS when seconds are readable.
**9:09**
